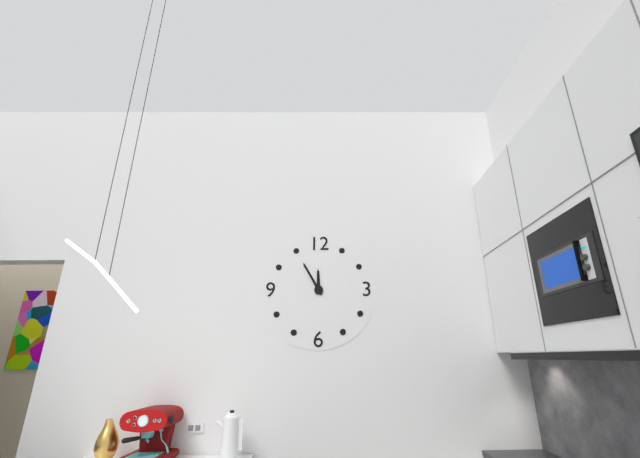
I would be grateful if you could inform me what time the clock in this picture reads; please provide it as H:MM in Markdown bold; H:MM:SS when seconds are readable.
**11:55**
